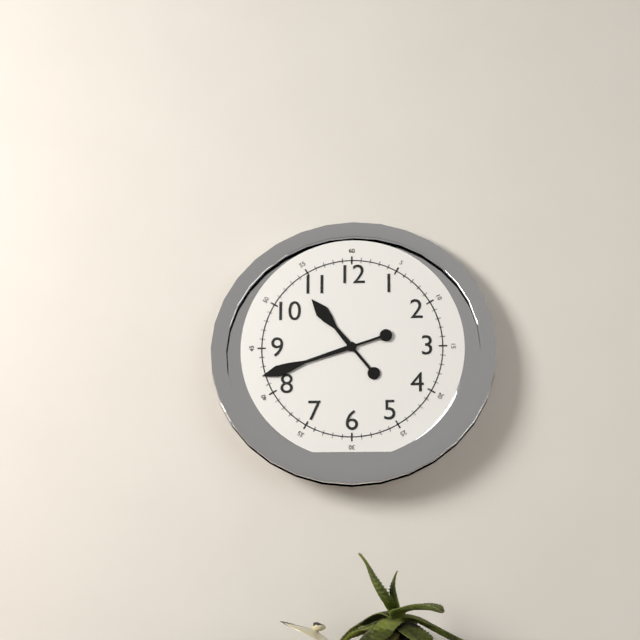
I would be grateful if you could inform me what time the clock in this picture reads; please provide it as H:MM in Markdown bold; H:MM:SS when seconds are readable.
**10:42**
